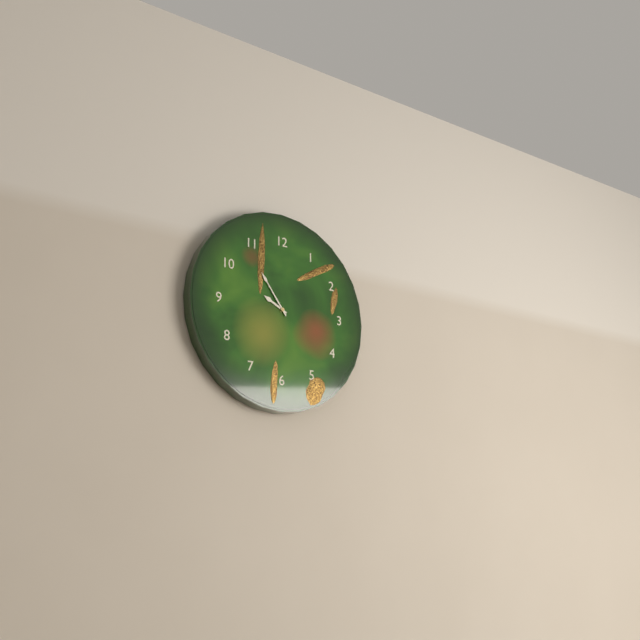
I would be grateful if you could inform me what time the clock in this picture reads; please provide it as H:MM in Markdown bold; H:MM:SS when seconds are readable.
**9:54**
